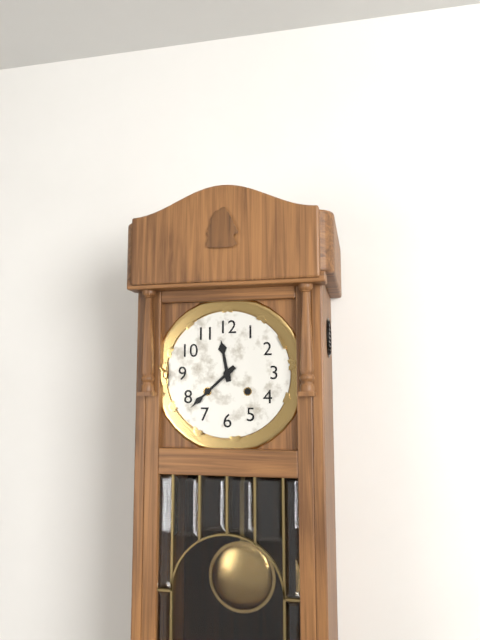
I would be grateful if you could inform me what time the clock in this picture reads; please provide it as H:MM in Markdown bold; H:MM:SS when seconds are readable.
**11:38**
